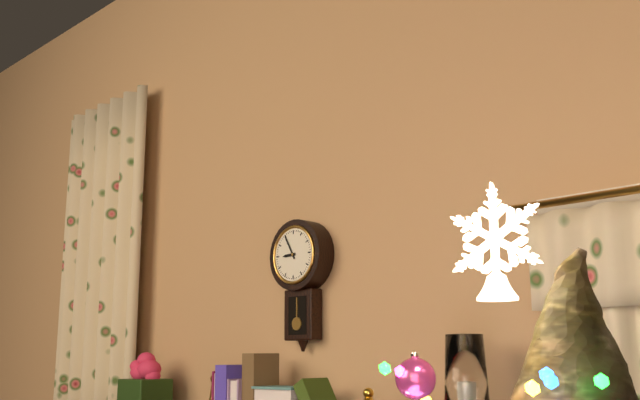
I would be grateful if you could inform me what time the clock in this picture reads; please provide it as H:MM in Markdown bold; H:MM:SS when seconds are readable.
**8:55**
